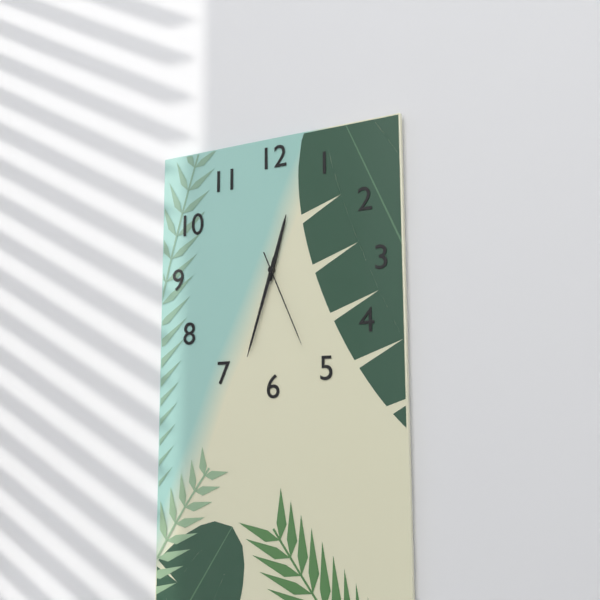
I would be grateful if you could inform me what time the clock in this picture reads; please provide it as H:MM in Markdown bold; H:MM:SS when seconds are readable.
**12:33:26**
